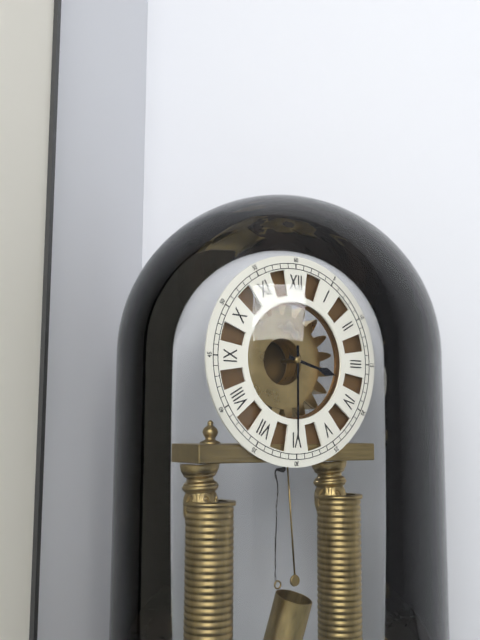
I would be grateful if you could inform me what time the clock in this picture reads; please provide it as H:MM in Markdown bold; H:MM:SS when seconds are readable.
**3:30**
